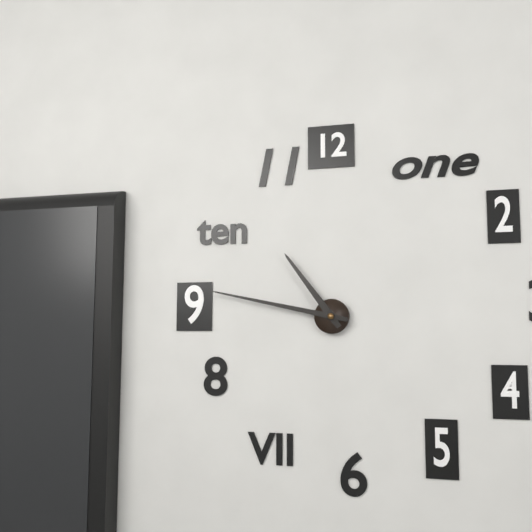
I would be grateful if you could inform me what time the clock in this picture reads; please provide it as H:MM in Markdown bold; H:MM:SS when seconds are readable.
**10:47**
